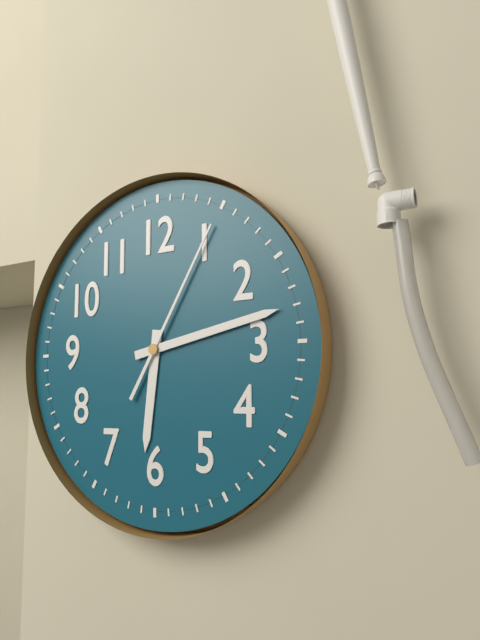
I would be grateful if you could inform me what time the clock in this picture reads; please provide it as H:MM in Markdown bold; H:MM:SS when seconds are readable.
**6:13:05**
